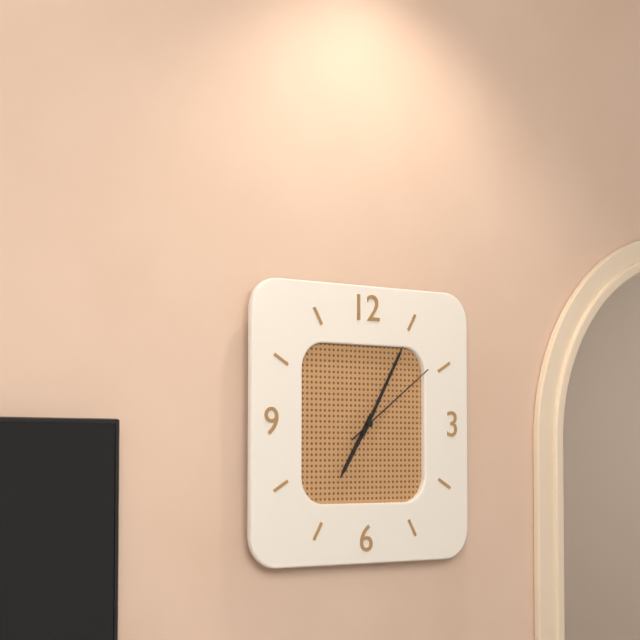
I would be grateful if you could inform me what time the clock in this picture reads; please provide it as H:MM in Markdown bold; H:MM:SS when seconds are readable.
**7:05:09**
